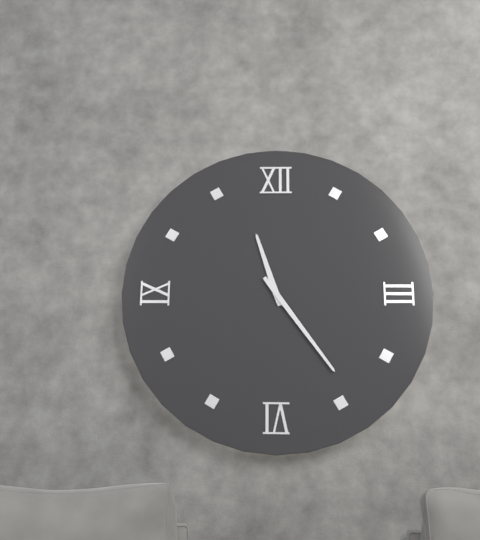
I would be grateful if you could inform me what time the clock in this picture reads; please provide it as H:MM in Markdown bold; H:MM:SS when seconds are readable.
**11:24**
